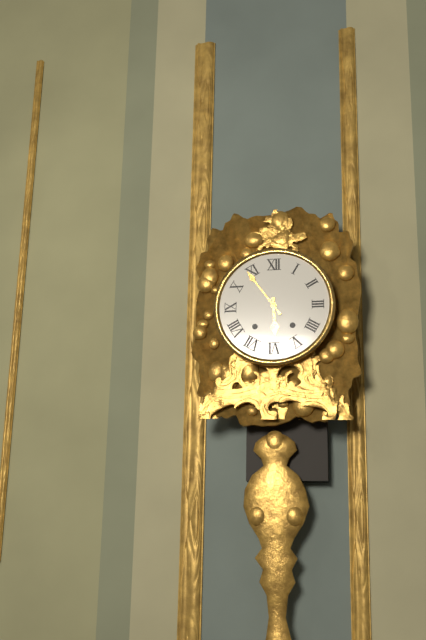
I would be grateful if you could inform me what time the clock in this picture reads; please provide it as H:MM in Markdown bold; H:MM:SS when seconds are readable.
**5:54**
